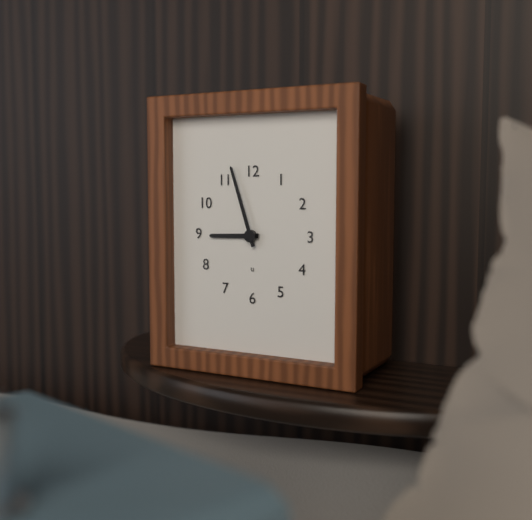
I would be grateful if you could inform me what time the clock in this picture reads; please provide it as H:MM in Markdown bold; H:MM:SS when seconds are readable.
**8:57**
